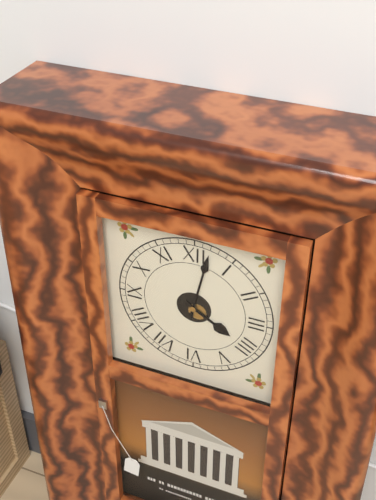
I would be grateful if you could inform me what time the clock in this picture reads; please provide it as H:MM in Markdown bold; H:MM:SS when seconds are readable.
**4:02**
